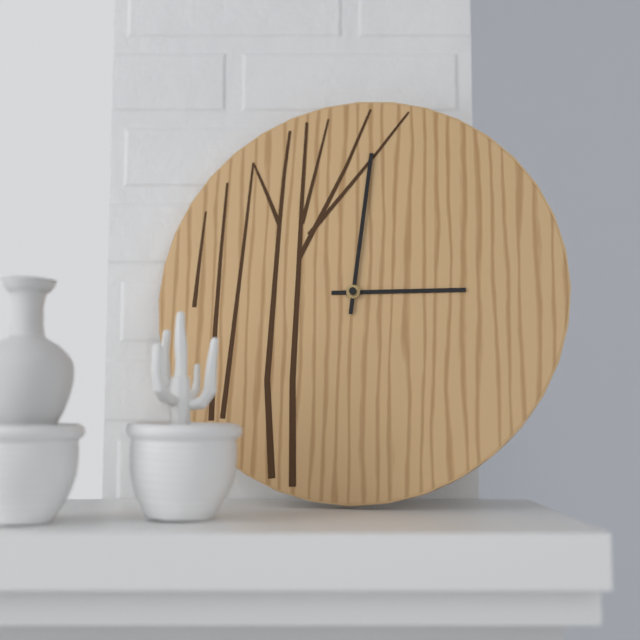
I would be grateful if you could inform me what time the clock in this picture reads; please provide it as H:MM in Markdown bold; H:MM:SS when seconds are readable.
**3:01**
